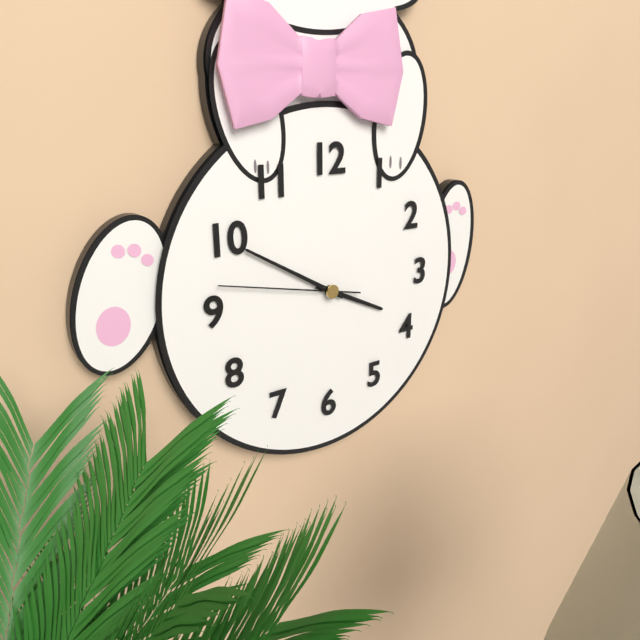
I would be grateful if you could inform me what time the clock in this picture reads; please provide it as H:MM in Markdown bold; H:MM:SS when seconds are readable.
**3:50:47**
